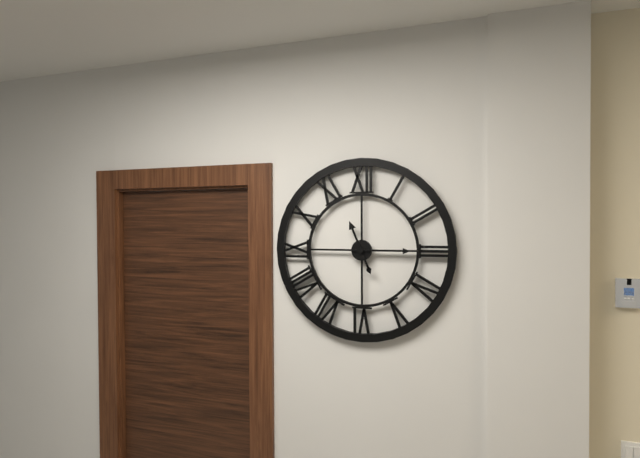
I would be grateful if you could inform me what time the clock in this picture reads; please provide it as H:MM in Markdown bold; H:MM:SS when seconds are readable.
**11:15**
